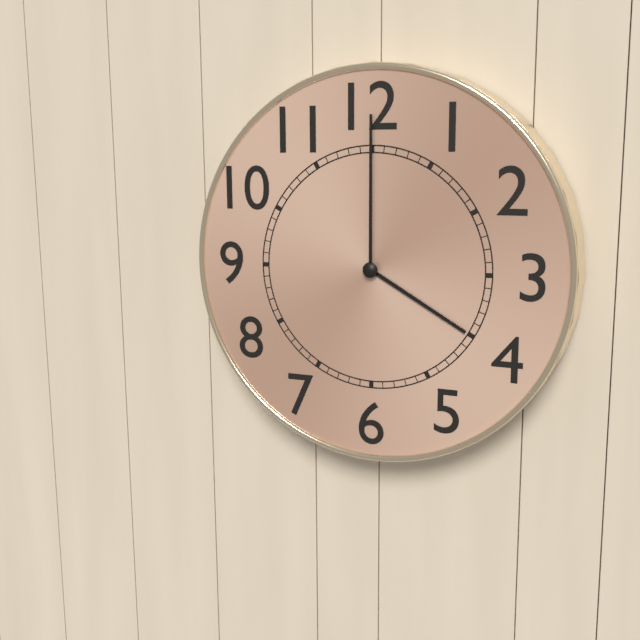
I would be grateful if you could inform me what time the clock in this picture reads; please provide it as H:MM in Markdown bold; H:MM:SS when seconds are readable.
**4:00**
